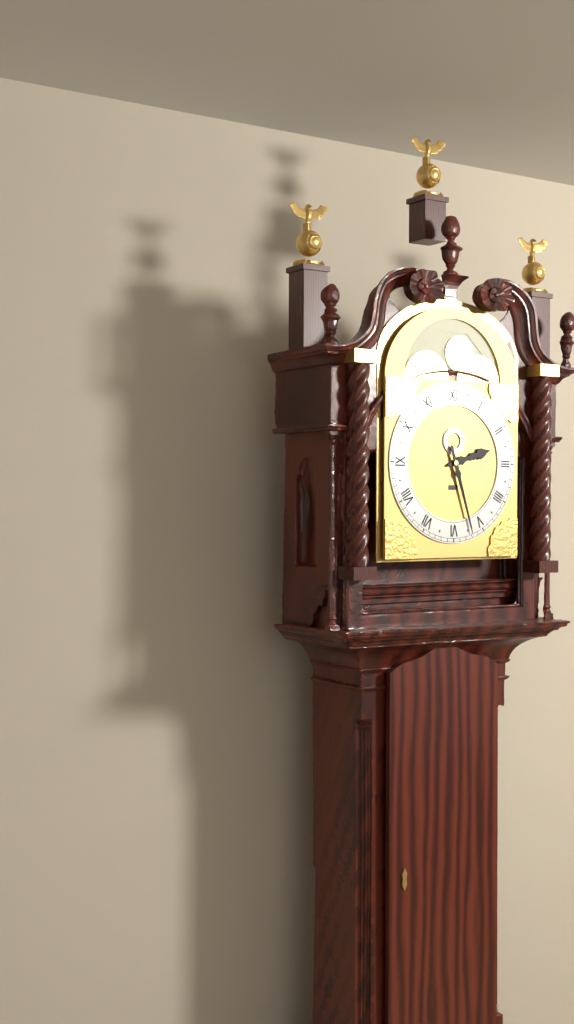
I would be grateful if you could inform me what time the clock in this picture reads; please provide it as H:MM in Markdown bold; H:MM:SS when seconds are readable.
**2:27**
